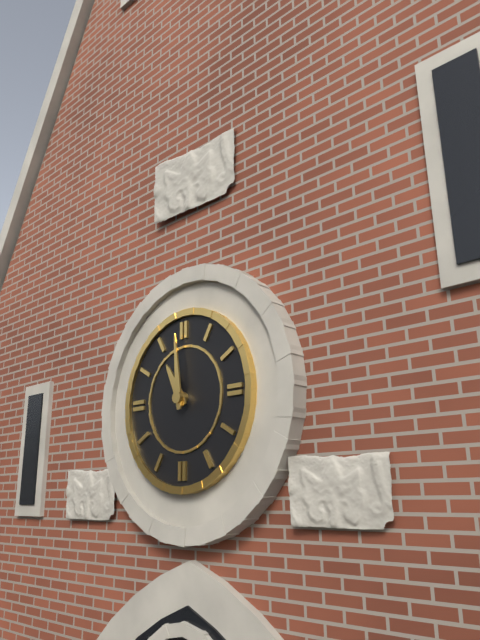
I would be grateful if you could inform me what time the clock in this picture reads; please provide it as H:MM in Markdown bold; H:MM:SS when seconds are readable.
**10:59**
